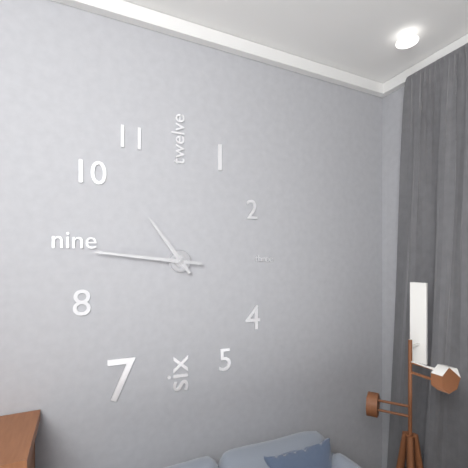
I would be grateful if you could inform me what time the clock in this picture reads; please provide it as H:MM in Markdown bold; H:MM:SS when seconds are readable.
**10:46**
